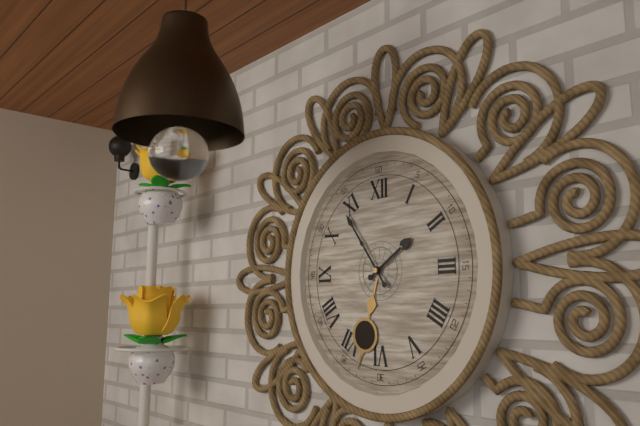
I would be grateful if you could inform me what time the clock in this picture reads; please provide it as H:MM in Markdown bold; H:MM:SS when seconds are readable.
**1:54**
